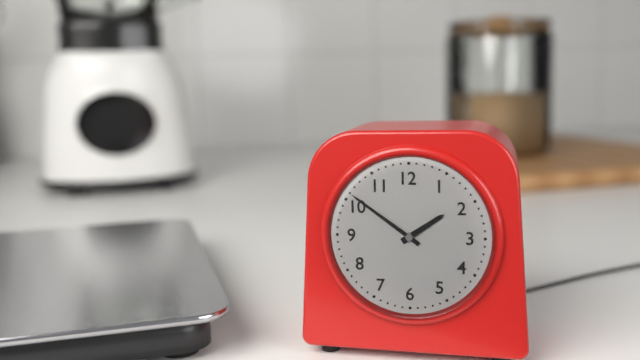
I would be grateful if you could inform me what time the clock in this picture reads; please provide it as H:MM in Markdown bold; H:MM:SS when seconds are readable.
**1:51**
